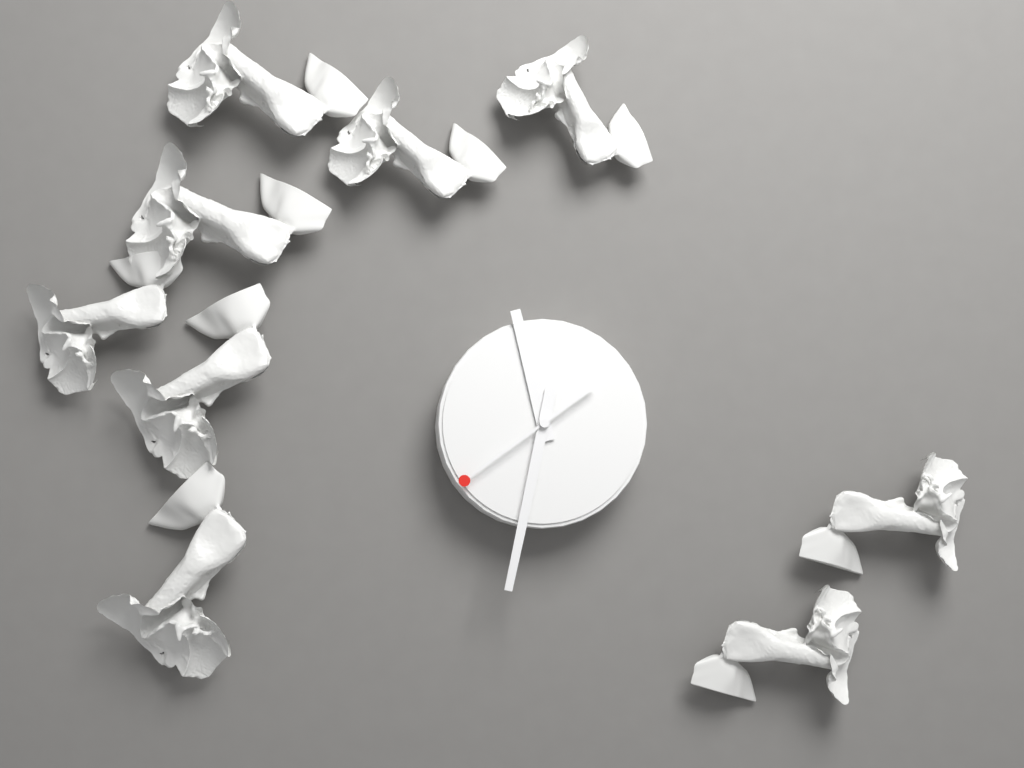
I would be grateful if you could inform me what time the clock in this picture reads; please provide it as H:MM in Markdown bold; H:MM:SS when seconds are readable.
**11:32:39**
